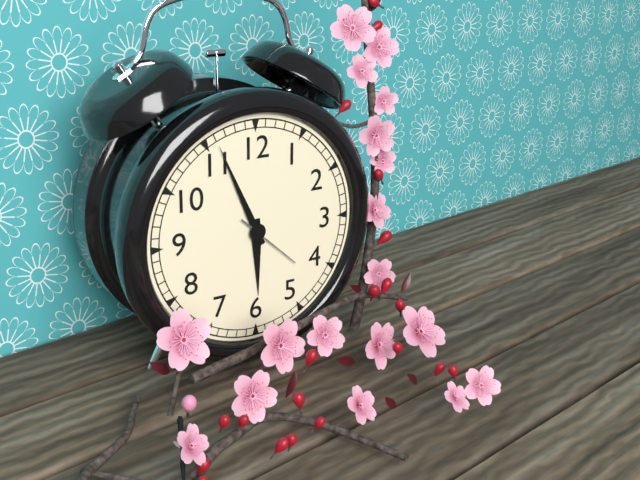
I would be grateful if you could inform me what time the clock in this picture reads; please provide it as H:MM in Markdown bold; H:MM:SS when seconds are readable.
**5:56:22**
